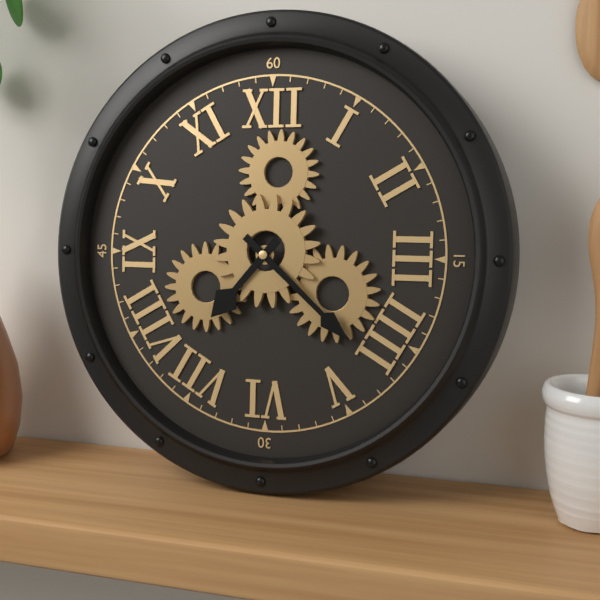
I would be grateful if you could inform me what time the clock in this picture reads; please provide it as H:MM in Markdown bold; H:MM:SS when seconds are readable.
**7:22**
